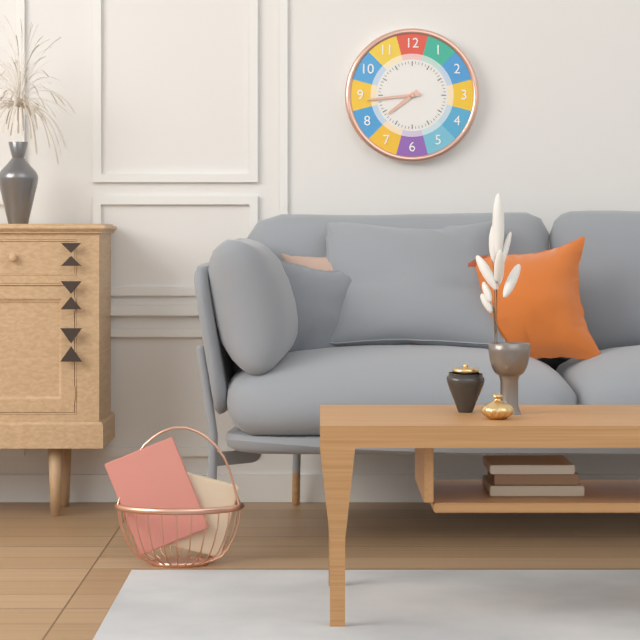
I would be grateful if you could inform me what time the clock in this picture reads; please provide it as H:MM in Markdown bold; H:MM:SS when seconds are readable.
**7:44**
